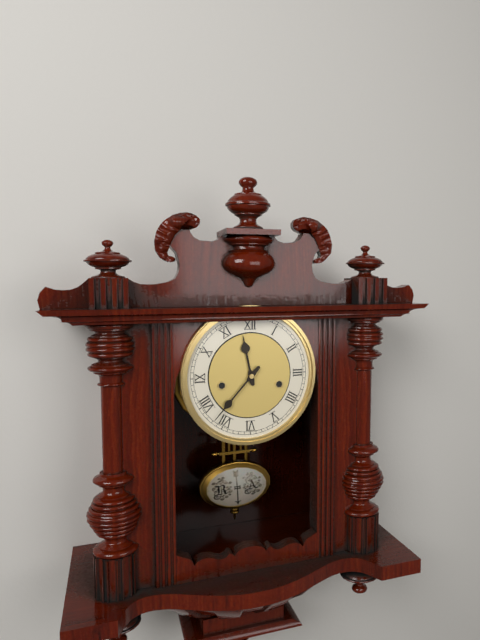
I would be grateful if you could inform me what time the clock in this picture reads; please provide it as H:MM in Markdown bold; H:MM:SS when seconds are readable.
**11:37**
